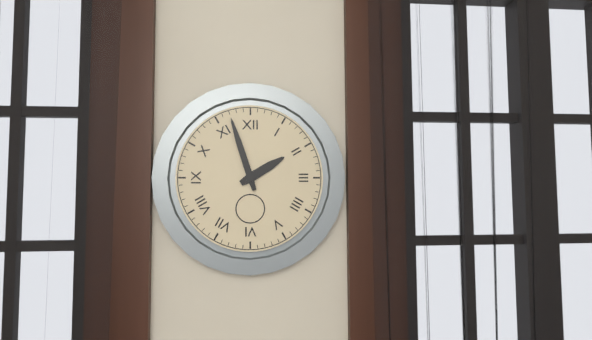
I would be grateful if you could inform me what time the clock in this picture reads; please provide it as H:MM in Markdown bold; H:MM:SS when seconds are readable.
**1:57**
